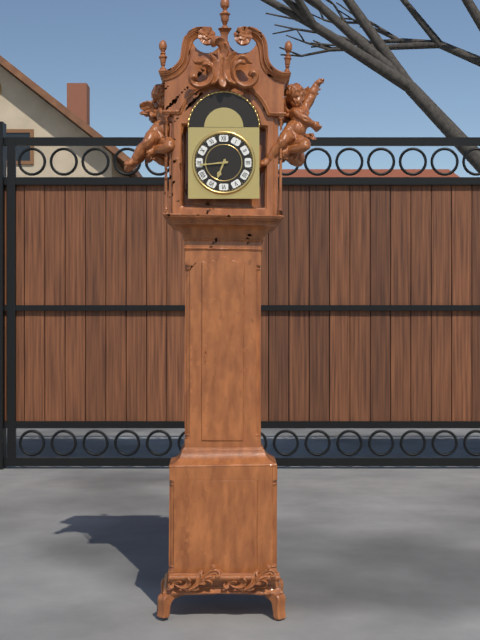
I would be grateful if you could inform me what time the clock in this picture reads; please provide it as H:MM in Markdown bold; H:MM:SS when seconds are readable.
**6:44**
